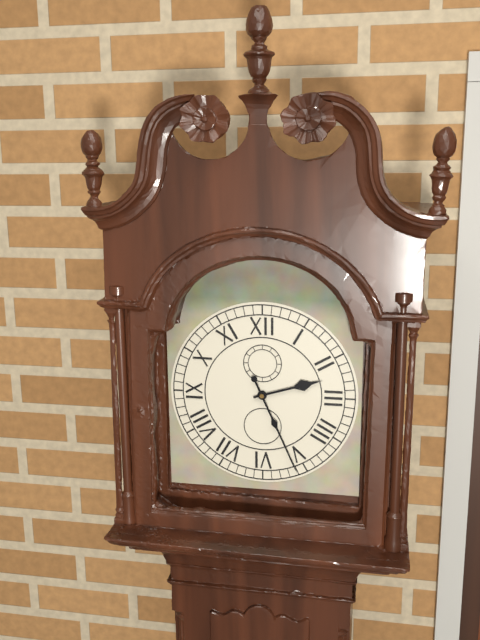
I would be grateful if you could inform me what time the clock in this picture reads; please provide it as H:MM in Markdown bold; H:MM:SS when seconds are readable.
**2:26**
